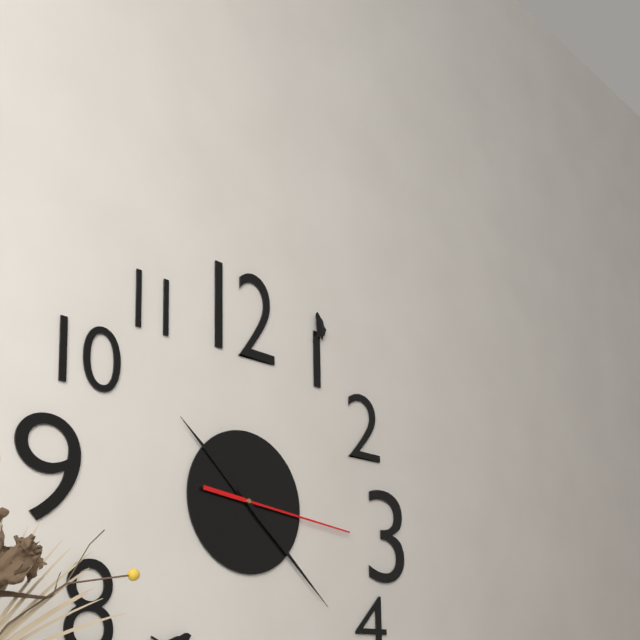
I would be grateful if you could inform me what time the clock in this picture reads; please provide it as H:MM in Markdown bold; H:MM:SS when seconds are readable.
**10:22:16**
